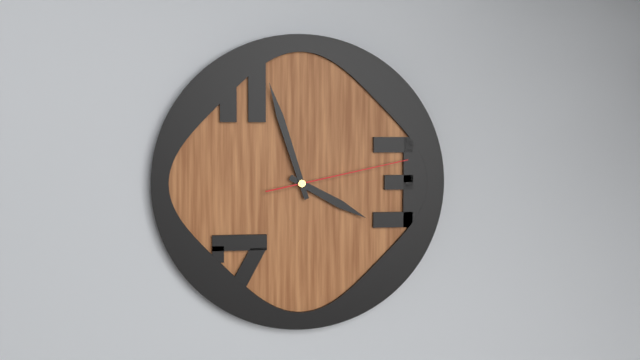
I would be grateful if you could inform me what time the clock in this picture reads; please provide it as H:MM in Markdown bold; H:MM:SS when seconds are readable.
**3:57:13**
